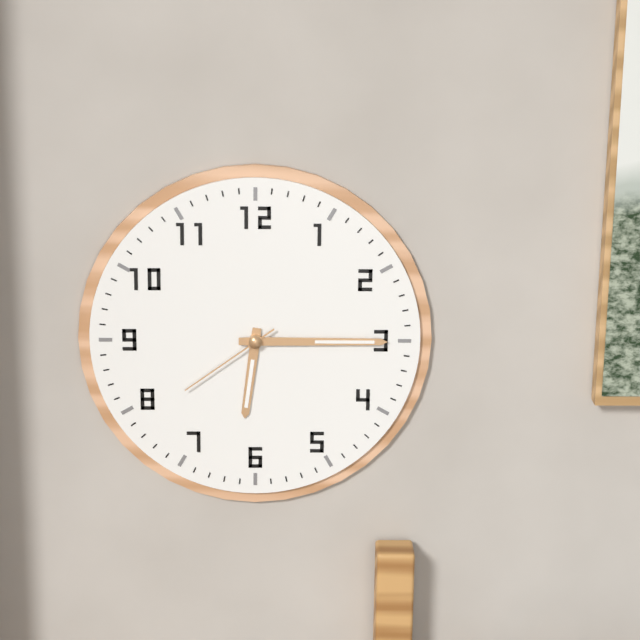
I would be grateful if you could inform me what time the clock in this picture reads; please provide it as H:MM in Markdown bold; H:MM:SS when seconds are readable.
**6:15:39**
